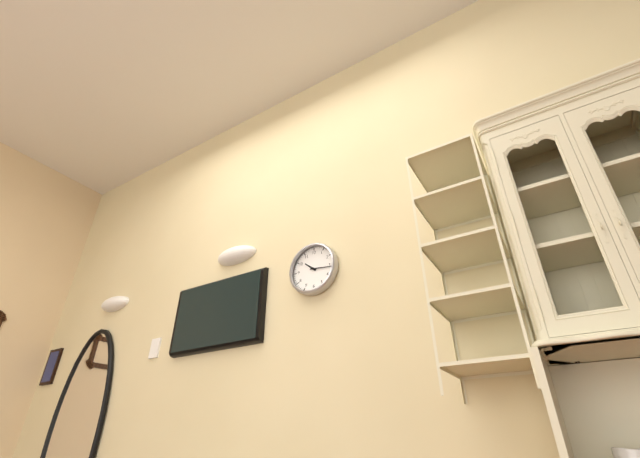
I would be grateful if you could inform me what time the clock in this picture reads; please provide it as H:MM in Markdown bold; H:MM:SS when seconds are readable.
**10:16**
